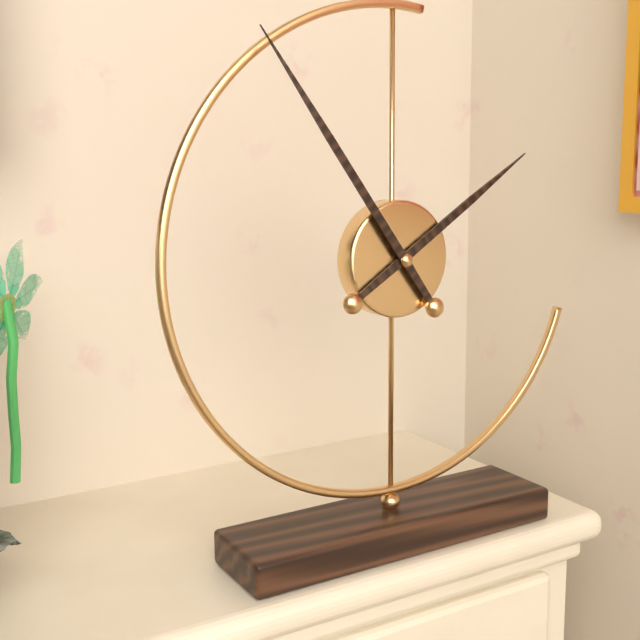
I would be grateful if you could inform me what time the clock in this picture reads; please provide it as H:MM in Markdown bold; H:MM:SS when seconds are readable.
**1:54**
